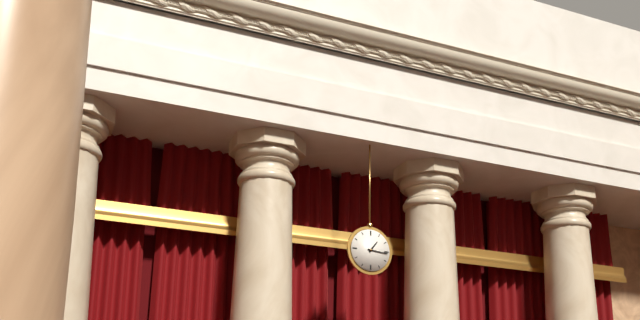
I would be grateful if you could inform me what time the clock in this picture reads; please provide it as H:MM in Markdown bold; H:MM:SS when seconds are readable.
**1:16**
